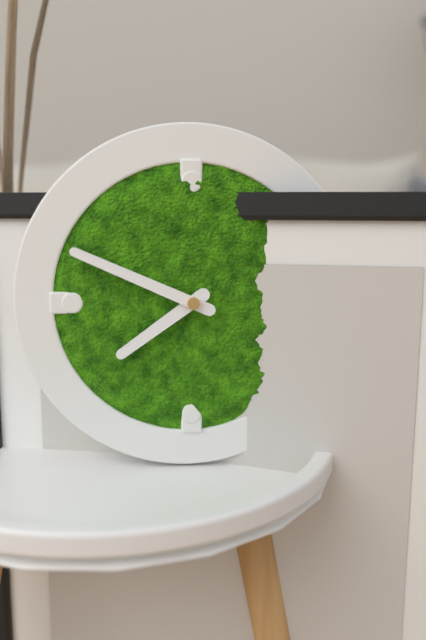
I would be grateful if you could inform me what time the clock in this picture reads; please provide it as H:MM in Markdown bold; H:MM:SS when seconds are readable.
**7:49**
